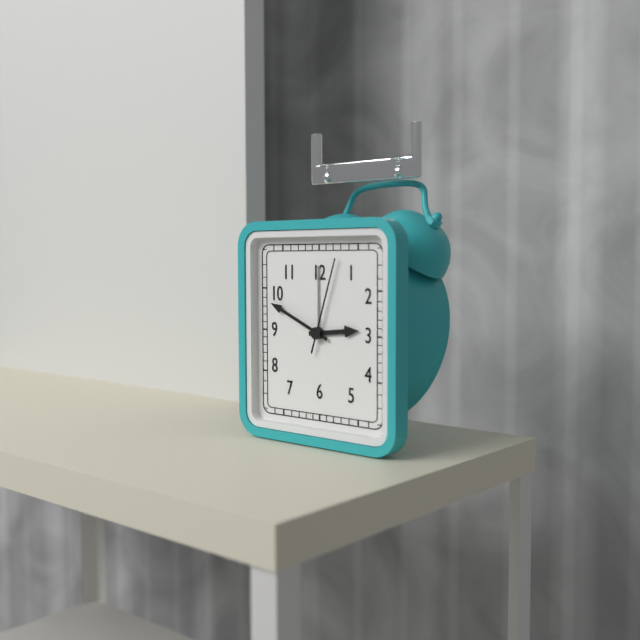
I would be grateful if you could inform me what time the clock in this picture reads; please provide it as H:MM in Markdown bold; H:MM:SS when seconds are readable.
**2:49:03**
